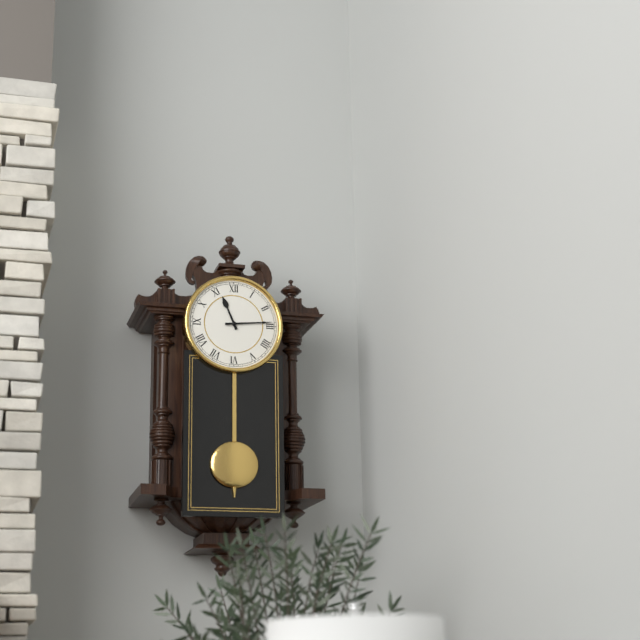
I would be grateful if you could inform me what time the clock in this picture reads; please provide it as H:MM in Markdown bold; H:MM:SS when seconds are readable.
**11:14**
